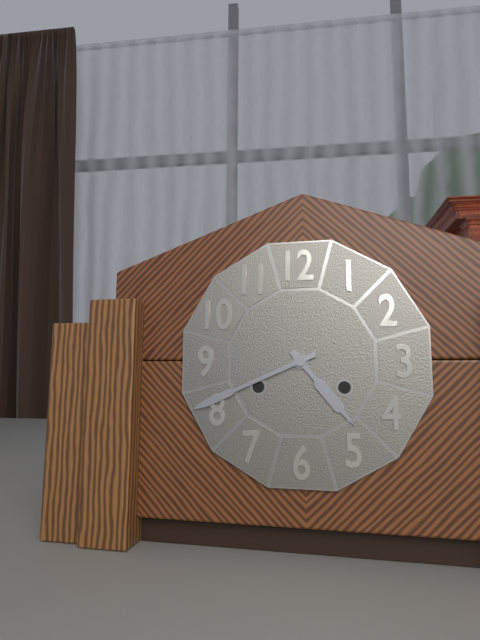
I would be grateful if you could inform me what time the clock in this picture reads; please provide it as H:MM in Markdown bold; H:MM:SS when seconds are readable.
**4:41**
